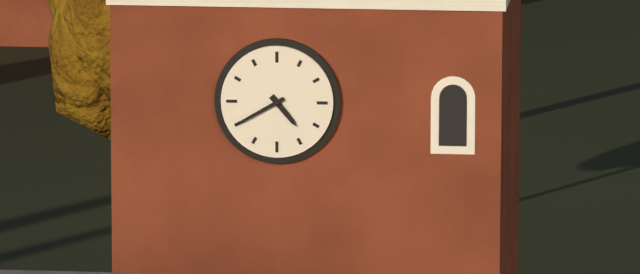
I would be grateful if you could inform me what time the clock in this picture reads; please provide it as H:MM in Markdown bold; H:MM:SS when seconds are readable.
**4:40**
